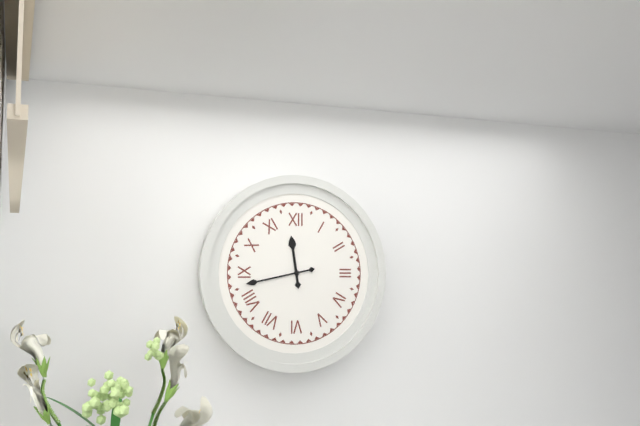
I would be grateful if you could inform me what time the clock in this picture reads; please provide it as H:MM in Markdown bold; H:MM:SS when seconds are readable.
**11:43**
